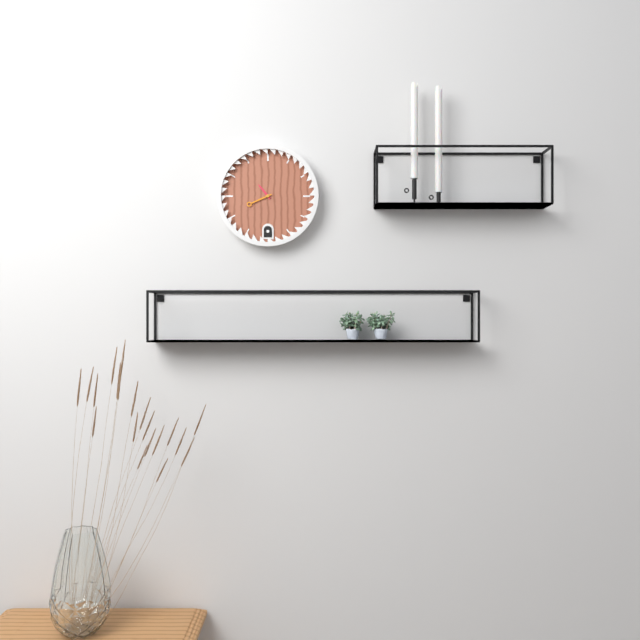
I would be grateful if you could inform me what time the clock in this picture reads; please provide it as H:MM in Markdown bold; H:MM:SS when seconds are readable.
**10:41**
